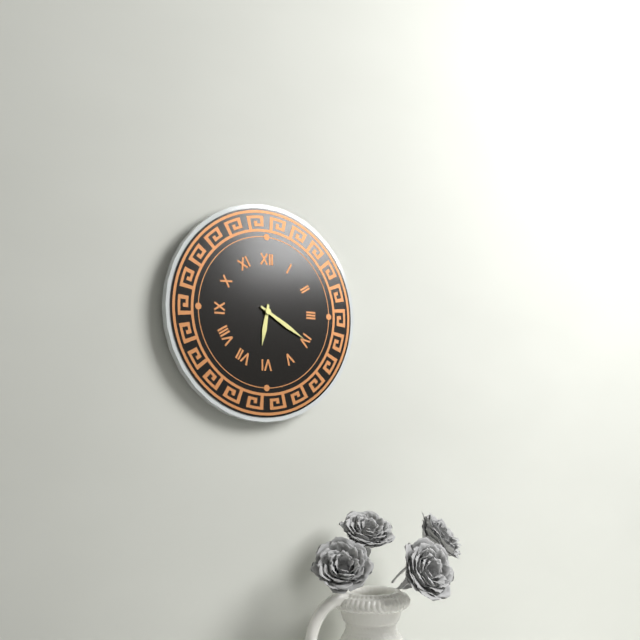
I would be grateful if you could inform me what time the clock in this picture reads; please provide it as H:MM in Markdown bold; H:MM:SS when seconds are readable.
**6:20**
